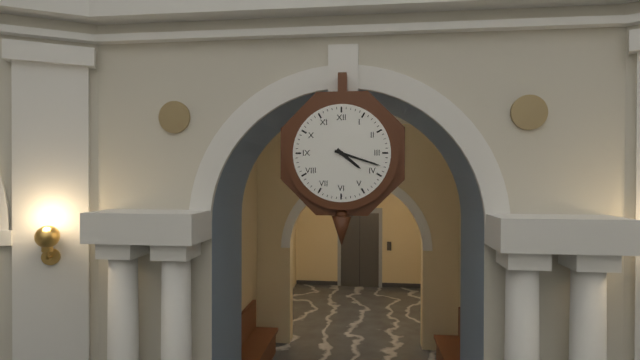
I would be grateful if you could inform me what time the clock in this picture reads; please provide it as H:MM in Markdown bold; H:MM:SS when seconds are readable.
**4:18**
